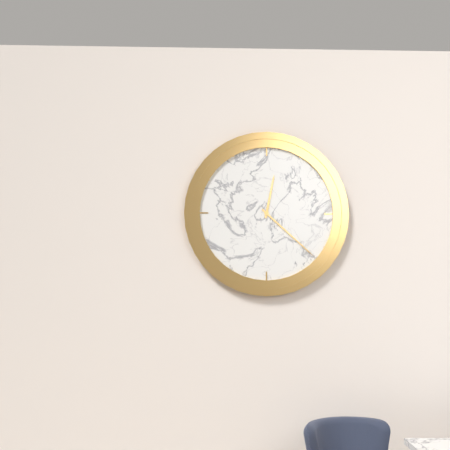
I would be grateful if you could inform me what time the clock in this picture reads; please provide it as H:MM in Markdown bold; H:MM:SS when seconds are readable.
**12:22**
